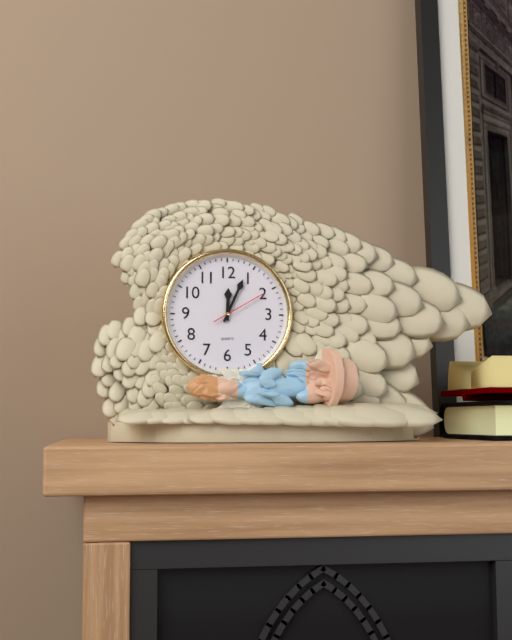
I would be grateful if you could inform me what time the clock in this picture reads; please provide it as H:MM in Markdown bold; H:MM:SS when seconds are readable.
**12:04:10**
